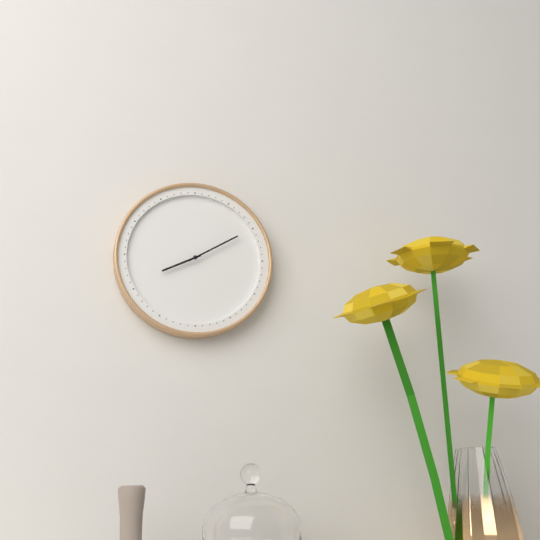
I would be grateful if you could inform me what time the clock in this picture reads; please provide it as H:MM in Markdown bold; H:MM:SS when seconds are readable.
**8:10**
